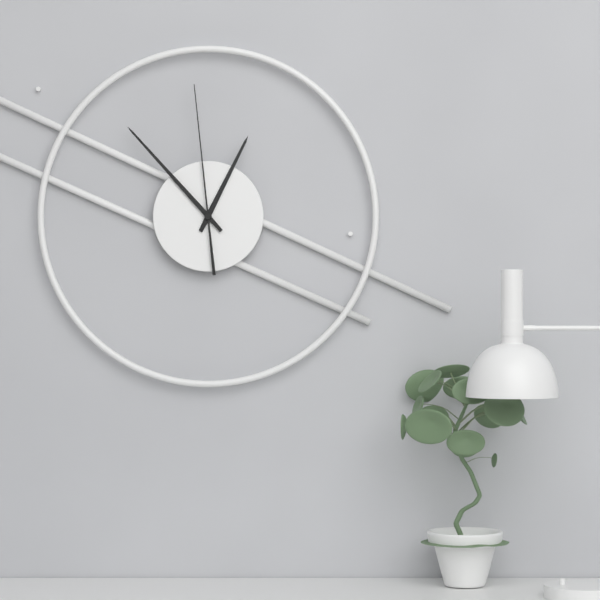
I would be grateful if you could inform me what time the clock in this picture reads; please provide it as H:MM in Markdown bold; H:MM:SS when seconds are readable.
**12:53:59**
